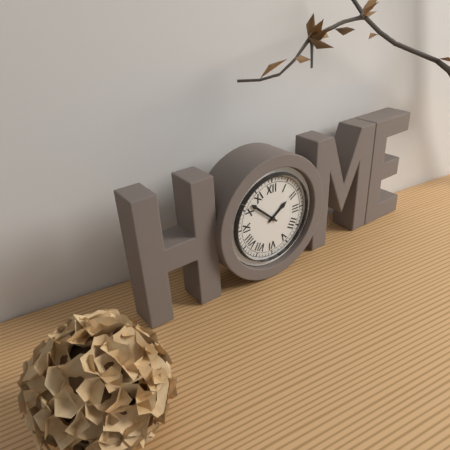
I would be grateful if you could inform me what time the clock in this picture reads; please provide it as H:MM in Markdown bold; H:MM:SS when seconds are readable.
**1:52**
